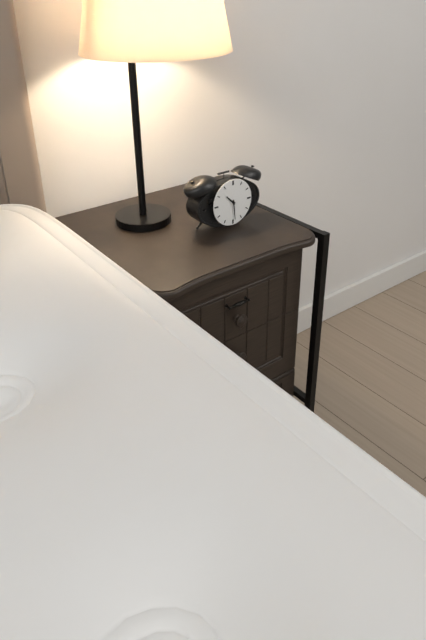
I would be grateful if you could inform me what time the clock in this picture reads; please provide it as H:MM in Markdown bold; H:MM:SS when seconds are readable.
**10:29**
